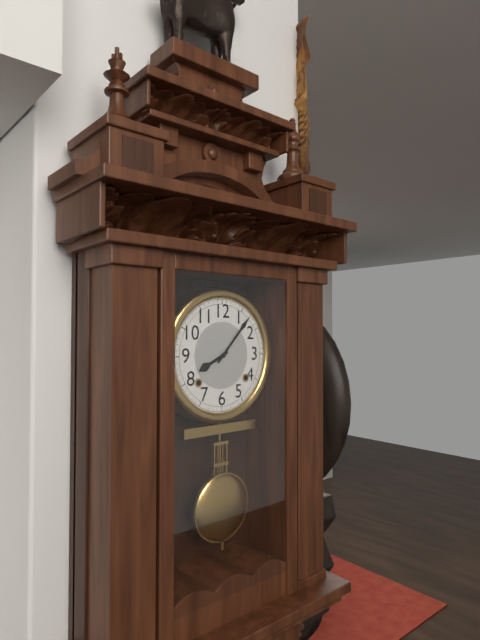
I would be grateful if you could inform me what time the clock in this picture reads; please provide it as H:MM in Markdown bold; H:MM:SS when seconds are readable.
**8:07**
